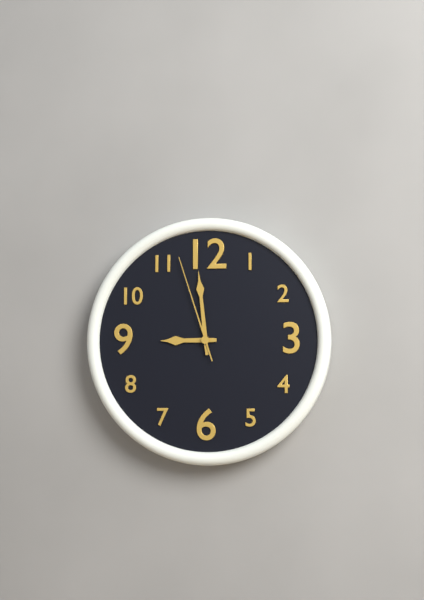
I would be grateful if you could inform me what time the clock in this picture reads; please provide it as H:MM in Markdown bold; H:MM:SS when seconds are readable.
**8:59:57**
